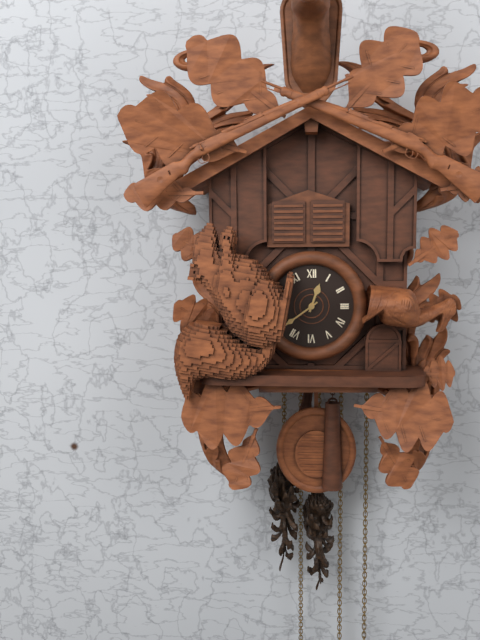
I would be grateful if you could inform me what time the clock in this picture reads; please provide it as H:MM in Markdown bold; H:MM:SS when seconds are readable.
**12:39**
